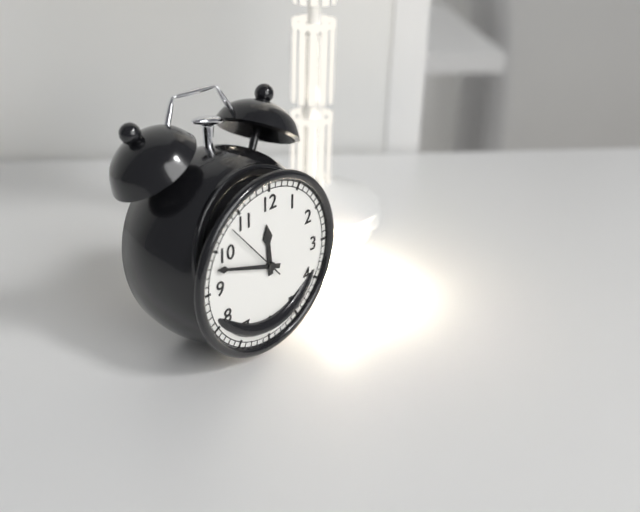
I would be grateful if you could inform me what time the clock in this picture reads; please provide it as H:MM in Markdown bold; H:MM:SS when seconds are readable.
**11:48:53**
